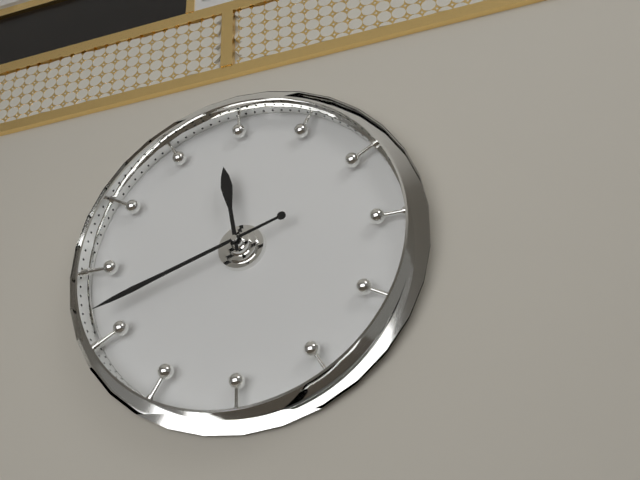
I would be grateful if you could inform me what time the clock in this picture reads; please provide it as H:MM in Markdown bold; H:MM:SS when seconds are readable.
**11:42**
